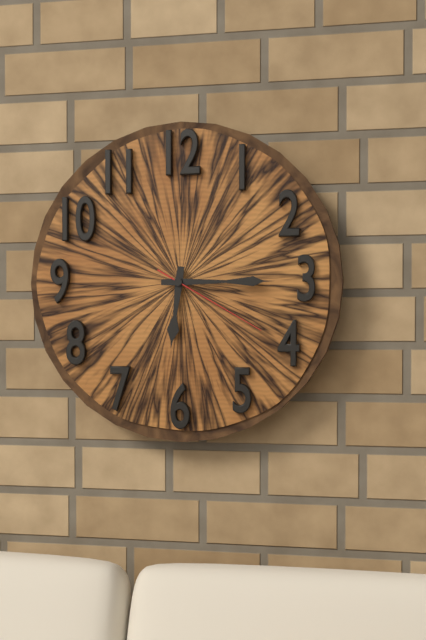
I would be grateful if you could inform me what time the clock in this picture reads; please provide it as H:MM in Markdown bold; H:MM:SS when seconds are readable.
**6:15:20**
